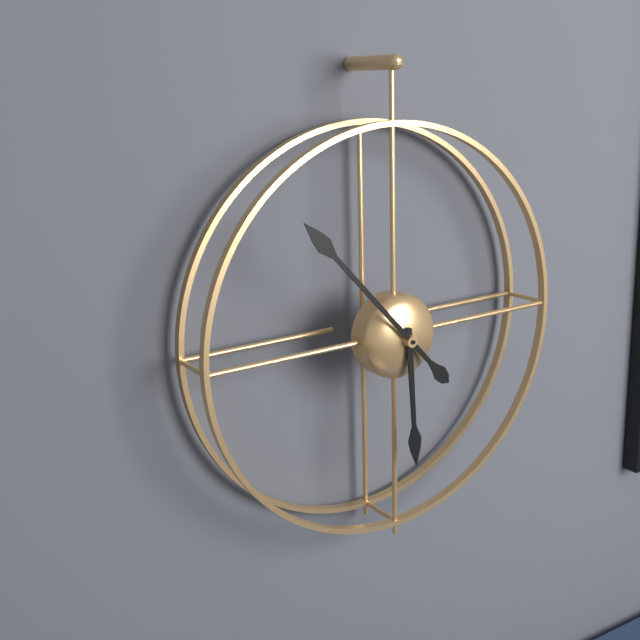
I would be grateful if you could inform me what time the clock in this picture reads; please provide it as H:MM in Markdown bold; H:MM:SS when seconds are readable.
**5:53**
